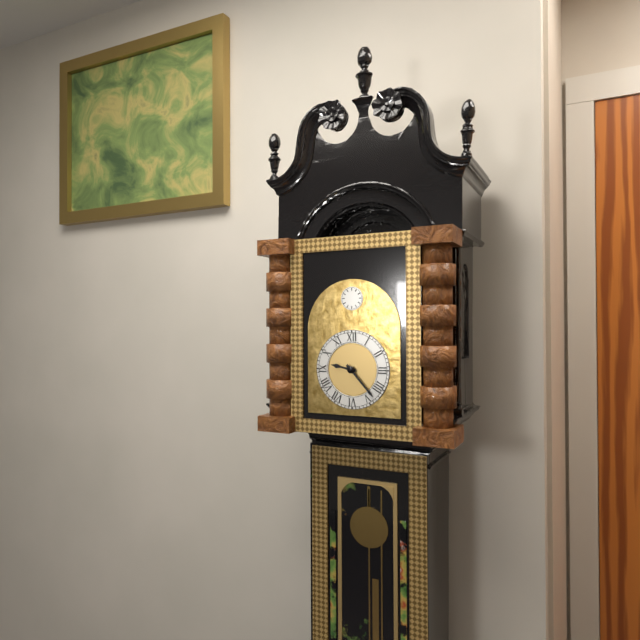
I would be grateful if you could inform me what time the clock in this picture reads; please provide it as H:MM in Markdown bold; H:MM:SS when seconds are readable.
**9:23**
